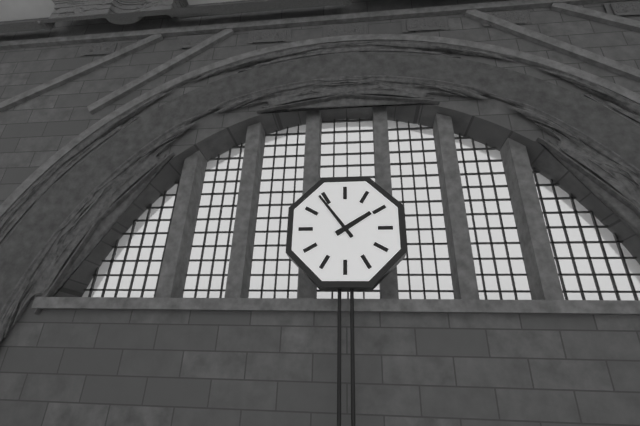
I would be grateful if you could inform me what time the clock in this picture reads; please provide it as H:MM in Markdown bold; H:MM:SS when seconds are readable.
**1:54**
